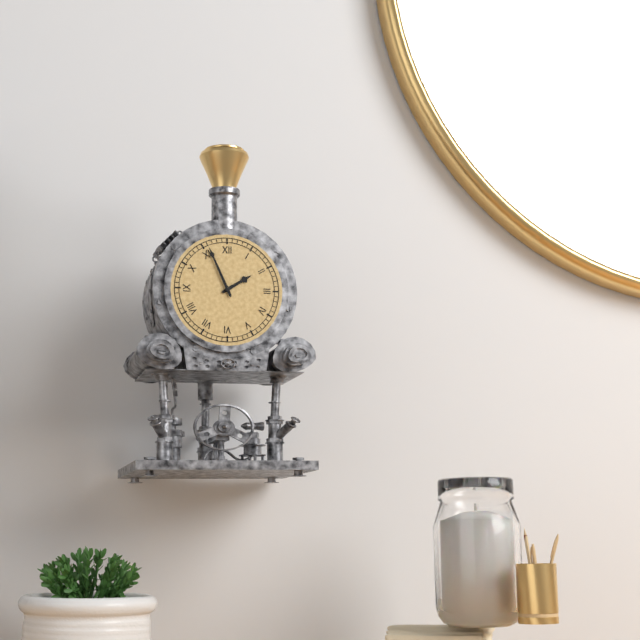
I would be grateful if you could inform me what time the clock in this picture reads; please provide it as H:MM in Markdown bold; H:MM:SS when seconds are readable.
**1:56**
